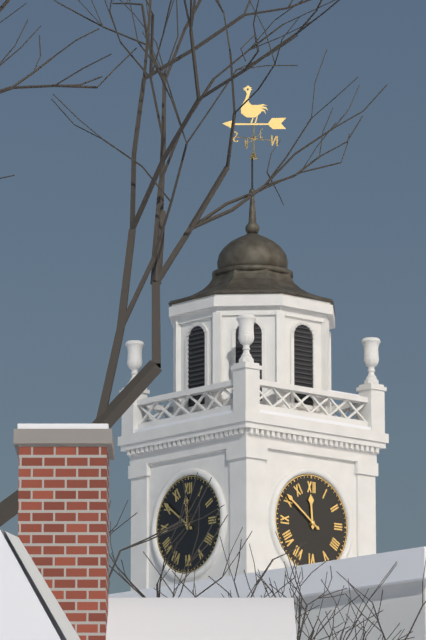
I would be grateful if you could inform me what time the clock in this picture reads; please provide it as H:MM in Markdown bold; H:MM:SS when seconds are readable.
**11:51**
